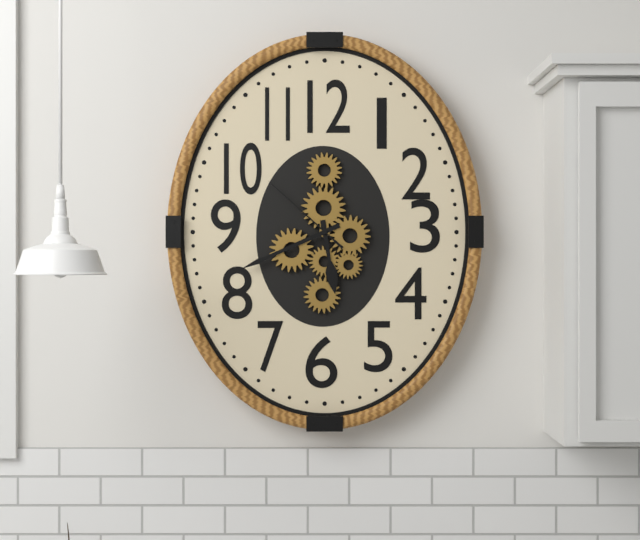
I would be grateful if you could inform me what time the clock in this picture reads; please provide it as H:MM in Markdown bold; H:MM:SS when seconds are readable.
**5:41:52**
